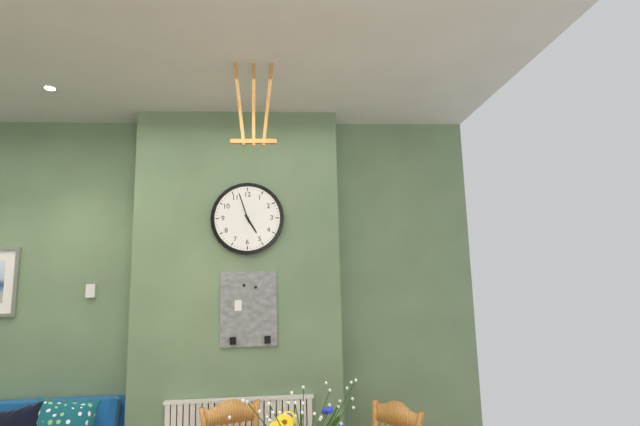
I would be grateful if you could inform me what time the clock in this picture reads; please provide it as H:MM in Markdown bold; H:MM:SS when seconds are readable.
**4:57**
